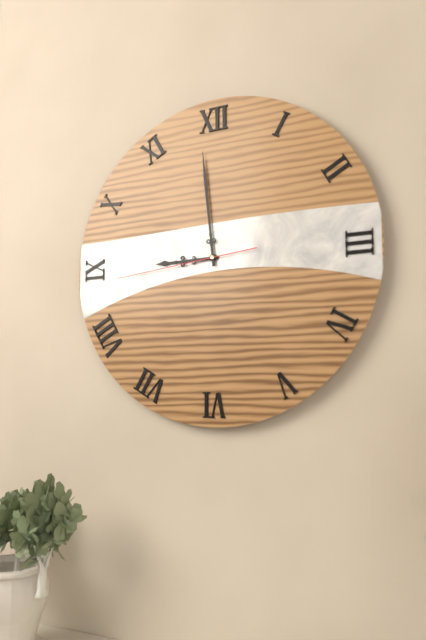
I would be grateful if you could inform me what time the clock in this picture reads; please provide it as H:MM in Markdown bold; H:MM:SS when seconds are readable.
**8:59:44**
